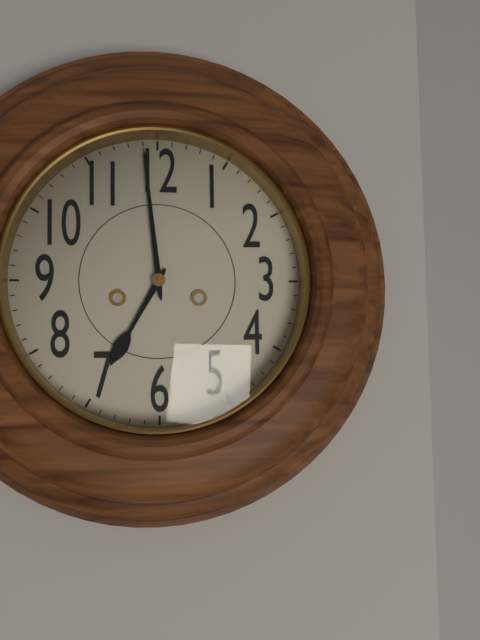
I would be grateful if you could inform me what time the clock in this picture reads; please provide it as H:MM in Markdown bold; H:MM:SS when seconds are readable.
**6:59**
